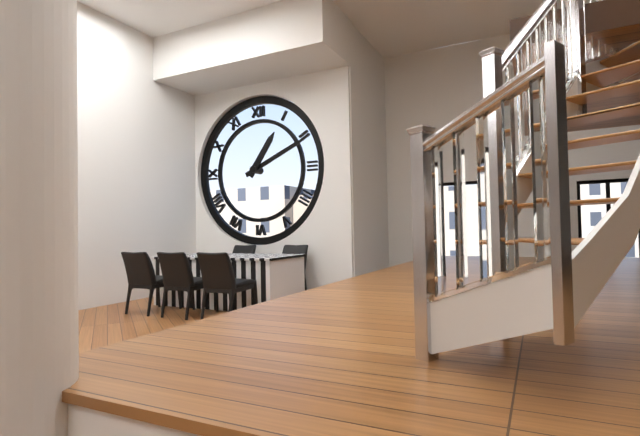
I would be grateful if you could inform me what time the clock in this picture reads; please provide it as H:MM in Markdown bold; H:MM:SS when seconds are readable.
**1:11**
